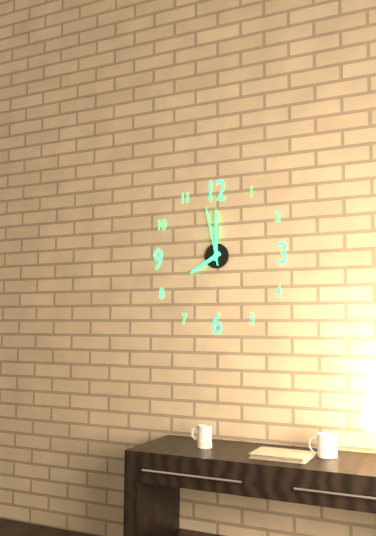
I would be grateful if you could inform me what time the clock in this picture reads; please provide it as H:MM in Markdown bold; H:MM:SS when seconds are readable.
**8:00:58**
